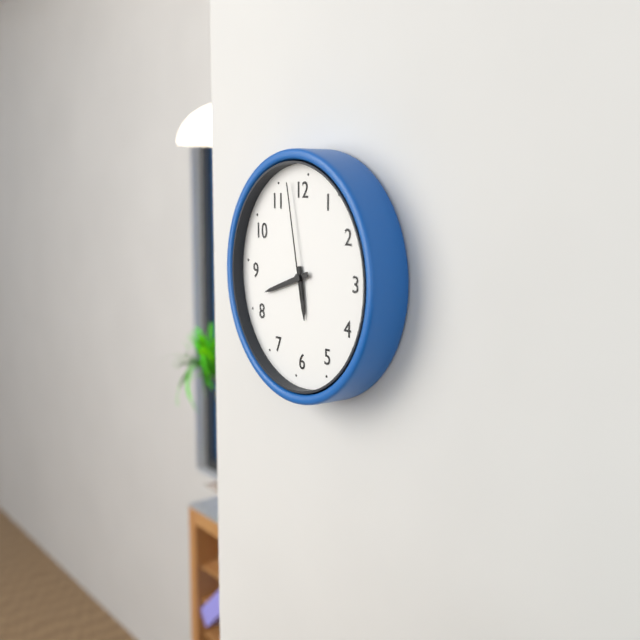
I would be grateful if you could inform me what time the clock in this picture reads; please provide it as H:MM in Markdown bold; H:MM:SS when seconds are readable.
**5:42:58**
